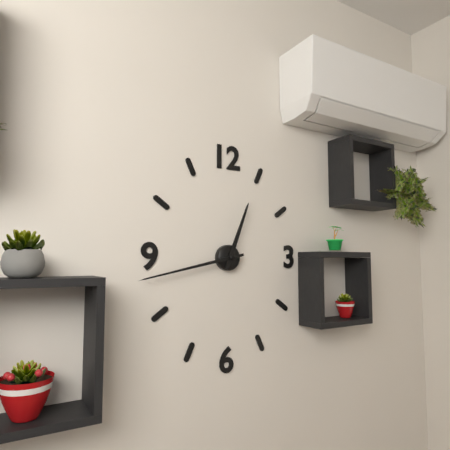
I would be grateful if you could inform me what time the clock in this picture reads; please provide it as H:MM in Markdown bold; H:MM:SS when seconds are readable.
**12:43**
